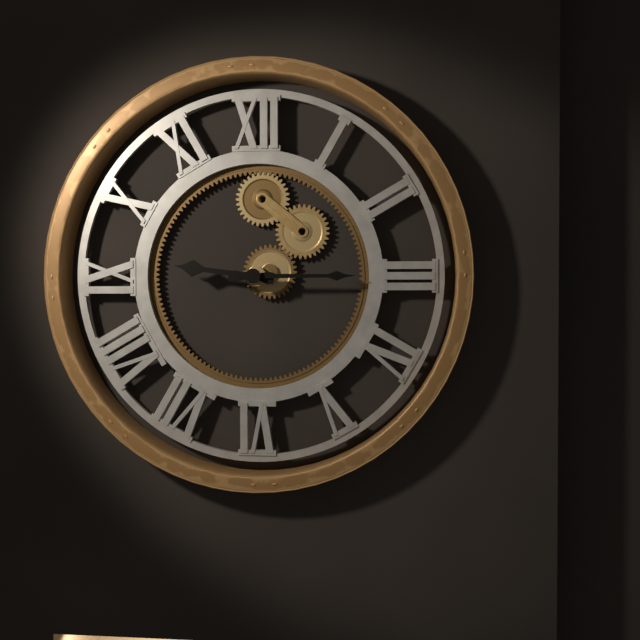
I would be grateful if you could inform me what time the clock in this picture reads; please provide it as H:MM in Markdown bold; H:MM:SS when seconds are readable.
**9:15**
